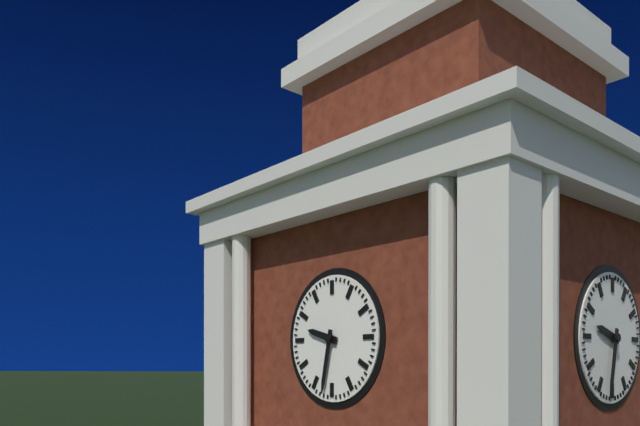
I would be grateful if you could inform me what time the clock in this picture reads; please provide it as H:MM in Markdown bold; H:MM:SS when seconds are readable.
**9:32**
